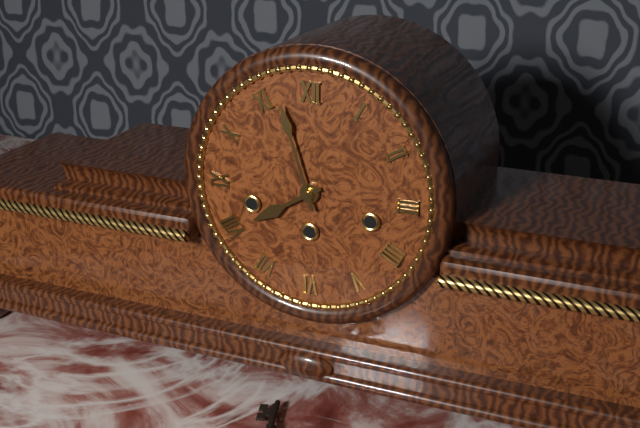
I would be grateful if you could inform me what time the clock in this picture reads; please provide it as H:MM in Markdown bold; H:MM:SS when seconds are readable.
**7:57**
